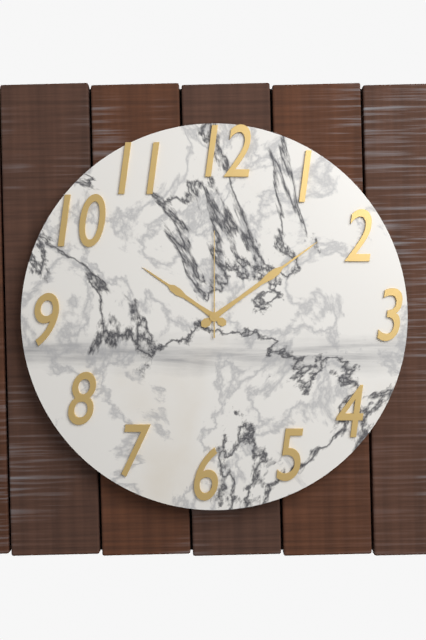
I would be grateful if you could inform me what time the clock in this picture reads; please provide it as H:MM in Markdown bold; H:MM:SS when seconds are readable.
**10:09:00**
